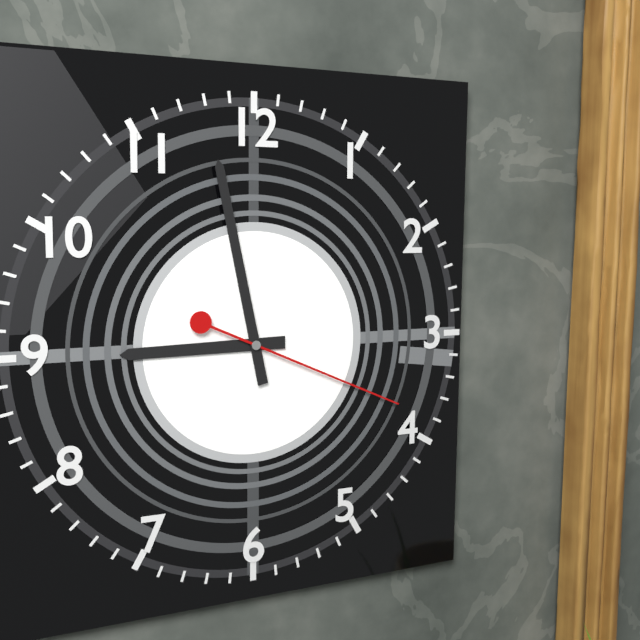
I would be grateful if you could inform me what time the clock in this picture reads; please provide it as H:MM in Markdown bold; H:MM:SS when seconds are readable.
**8:58:19**
